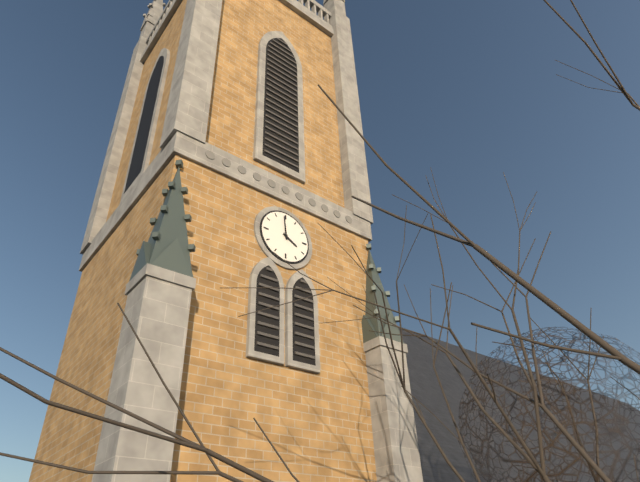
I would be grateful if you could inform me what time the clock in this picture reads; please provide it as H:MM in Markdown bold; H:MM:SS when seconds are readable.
**3:59**
